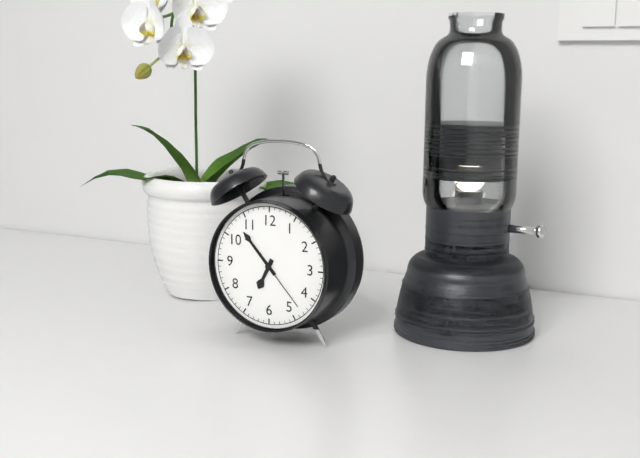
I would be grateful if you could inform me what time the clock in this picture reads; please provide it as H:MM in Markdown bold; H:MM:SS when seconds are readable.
**6:53:23**
